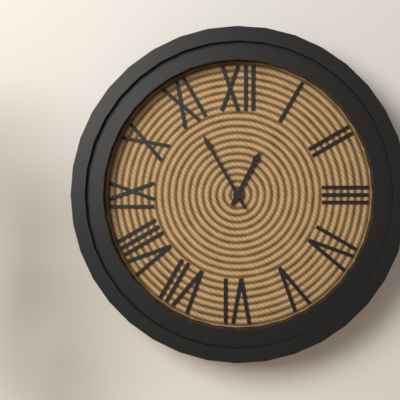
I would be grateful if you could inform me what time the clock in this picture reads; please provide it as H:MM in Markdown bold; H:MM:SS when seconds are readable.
**12:55**
